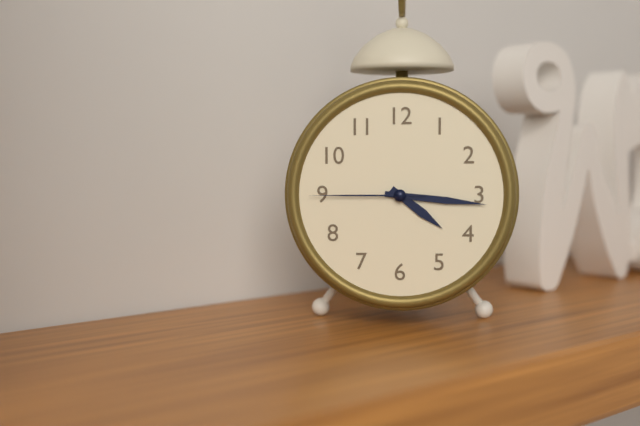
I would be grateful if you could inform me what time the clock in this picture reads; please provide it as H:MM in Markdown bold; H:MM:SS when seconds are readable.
**4:16:45**
